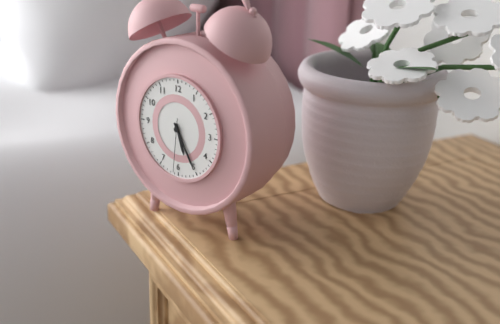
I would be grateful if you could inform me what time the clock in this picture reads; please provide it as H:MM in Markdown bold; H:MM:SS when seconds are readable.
**5:25:31**
